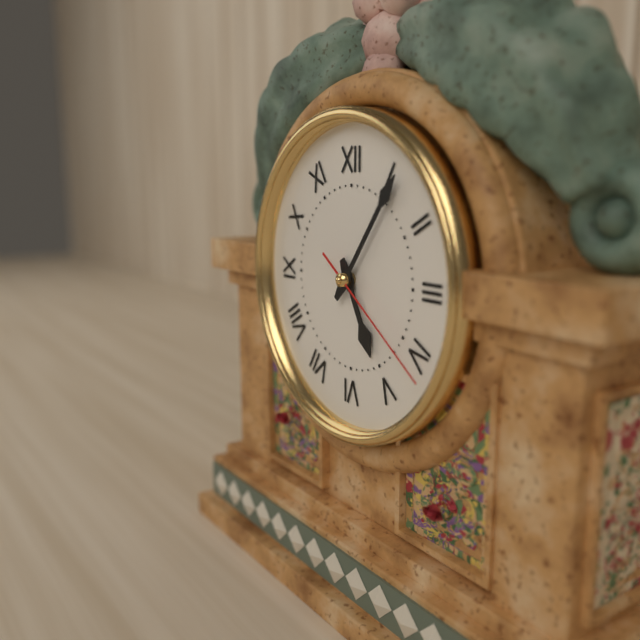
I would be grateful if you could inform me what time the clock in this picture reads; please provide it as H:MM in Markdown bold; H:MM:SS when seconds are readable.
**5:06:21**
